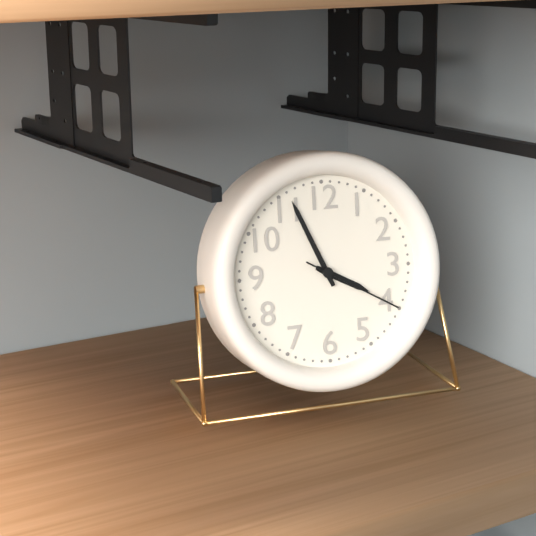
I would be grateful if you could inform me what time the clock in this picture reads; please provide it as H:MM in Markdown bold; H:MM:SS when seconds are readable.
**3:56:20**
